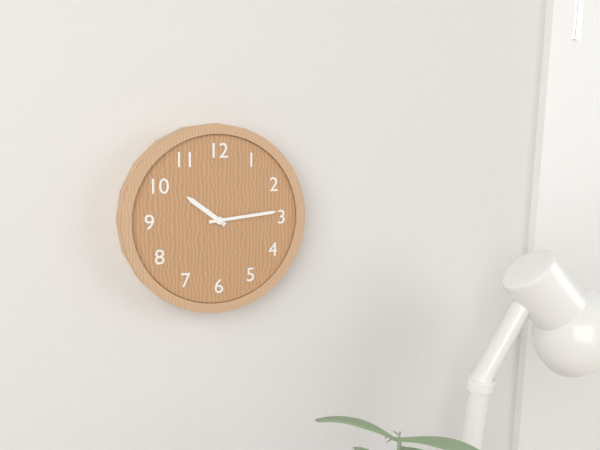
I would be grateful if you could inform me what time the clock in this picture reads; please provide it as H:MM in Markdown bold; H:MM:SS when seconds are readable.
**10:14**
